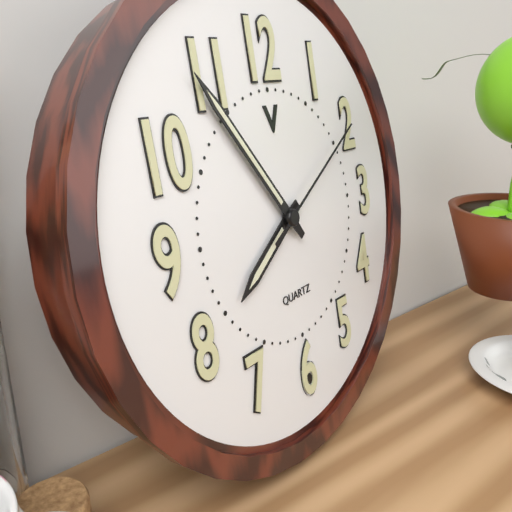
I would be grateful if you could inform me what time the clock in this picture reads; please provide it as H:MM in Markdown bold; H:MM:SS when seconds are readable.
**7:54:10**
